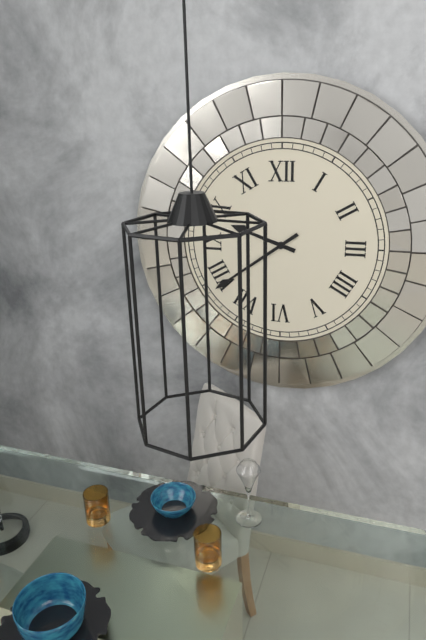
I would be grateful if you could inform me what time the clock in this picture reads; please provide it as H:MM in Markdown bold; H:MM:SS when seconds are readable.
**9:39**
